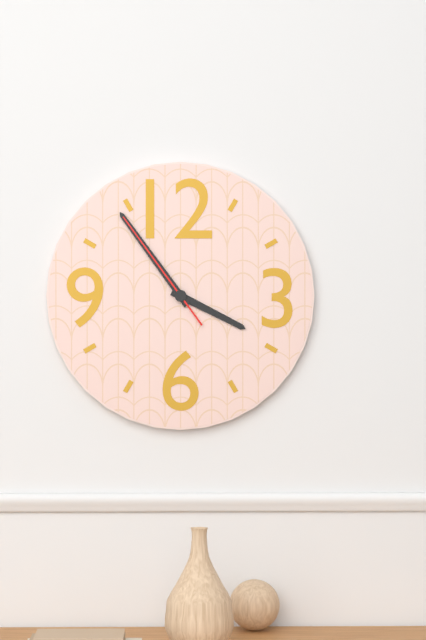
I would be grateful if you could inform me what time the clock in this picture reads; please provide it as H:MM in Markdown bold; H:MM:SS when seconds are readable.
**3:54:54**
